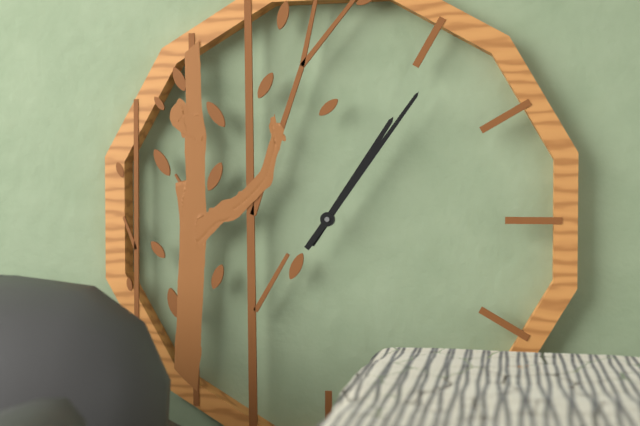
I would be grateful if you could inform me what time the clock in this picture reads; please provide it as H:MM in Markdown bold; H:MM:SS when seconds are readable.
**1:06**
